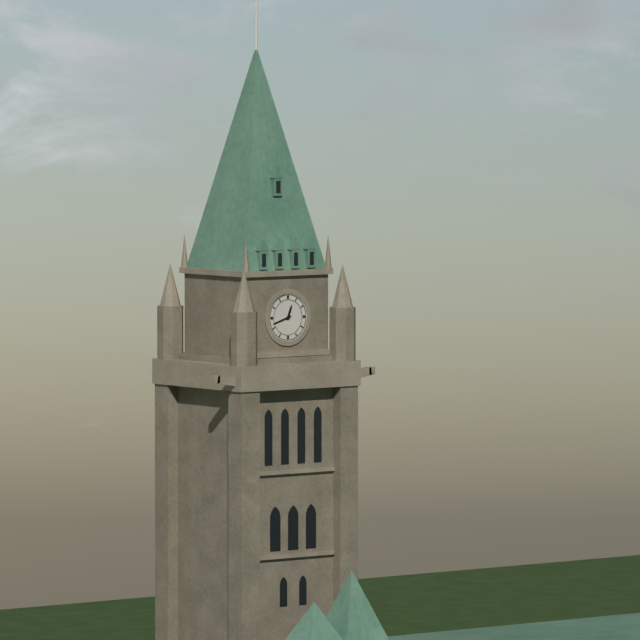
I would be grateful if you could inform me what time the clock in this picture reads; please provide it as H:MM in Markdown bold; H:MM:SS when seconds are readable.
**12:42**
